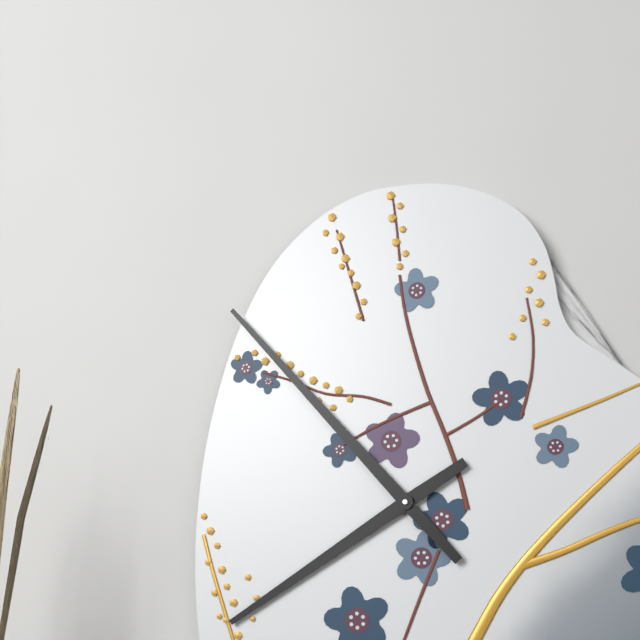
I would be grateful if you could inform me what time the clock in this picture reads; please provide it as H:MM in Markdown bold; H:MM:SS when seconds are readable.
**7:53**
